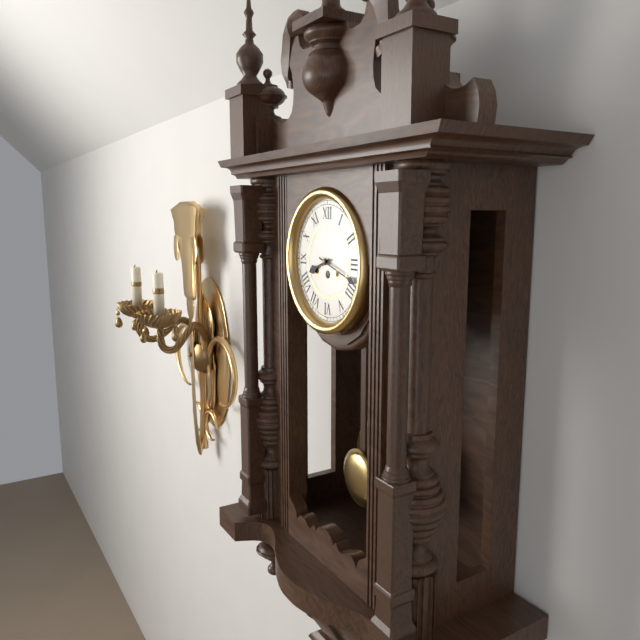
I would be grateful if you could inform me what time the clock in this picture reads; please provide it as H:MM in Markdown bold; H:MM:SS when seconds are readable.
**8:18**
